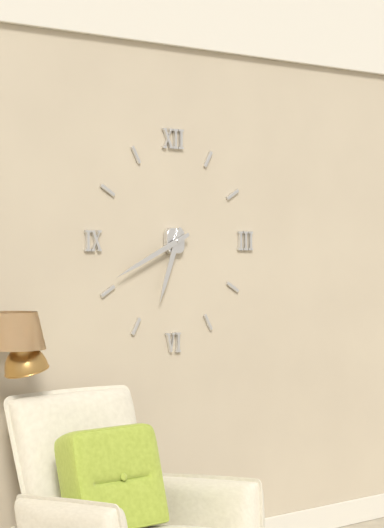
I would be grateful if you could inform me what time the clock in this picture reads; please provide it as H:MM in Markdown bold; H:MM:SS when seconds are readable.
**6:41**
